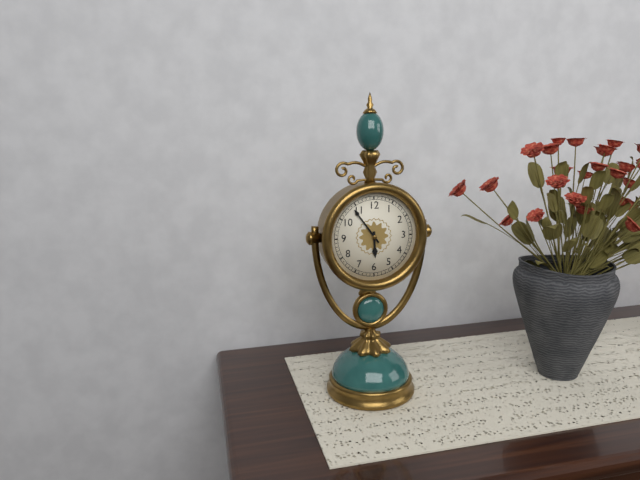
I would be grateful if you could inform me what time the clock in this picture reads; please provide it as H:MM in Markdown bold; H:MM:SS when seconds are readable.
**5:54**
